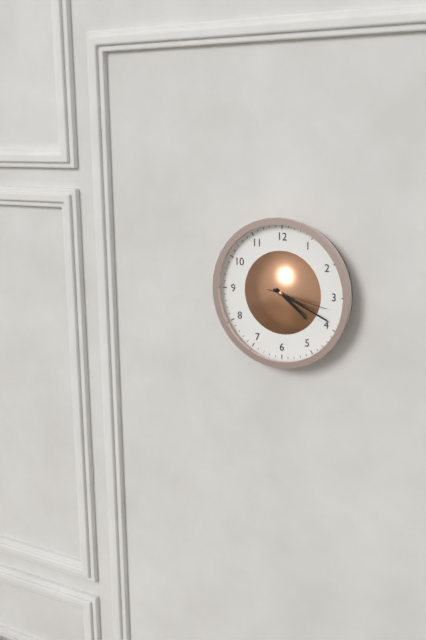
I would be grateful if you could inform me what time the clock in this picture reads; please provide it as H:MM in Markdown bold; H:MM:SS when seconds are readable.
**4:19:17**
